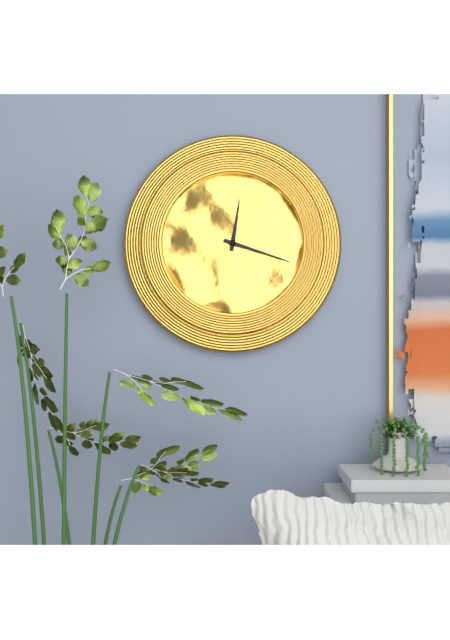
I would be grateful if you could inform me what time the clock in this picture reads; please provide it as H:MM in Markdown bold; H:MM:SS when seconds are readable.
**12:18**
